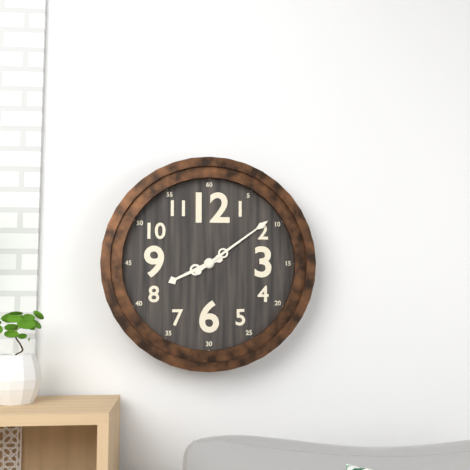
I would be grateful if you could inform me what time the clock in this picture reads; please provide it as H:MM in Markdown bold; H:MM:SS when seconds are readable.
**8:09**
